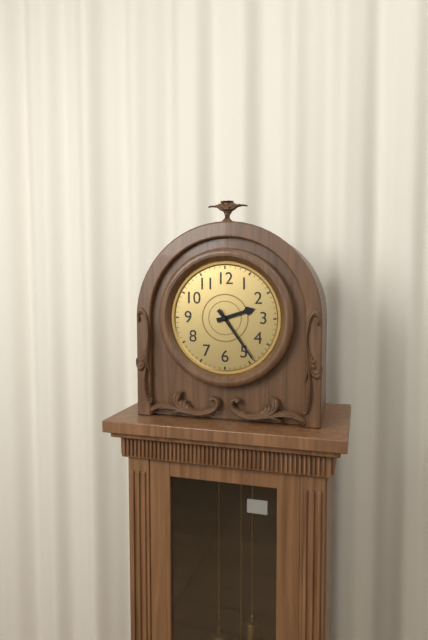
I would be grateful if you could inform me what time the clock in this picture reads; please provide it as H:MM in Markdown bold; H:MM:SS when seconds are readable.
**2:24**
